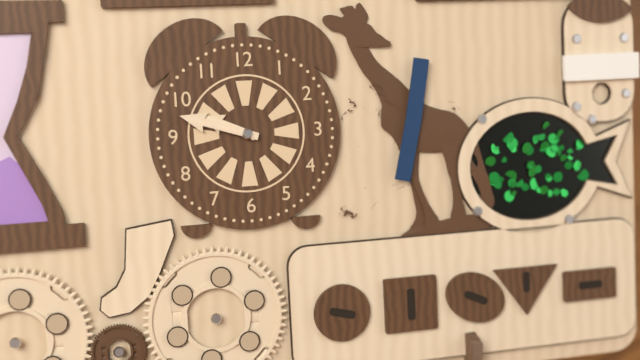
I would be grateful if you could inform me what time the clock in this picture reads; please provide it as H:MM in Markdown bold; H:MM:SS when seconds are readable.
**9:48**
